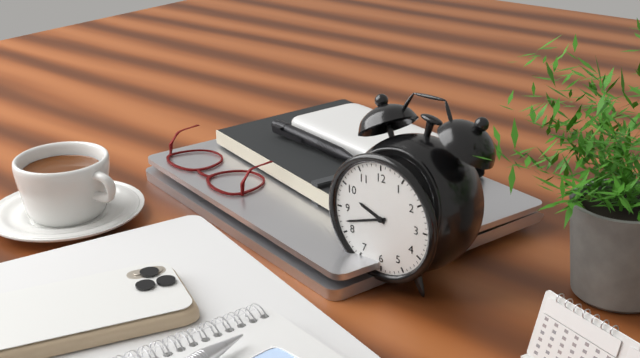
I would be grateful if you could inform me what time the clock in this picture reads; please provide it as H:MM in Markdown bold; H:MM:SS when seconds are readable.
**9:42**
